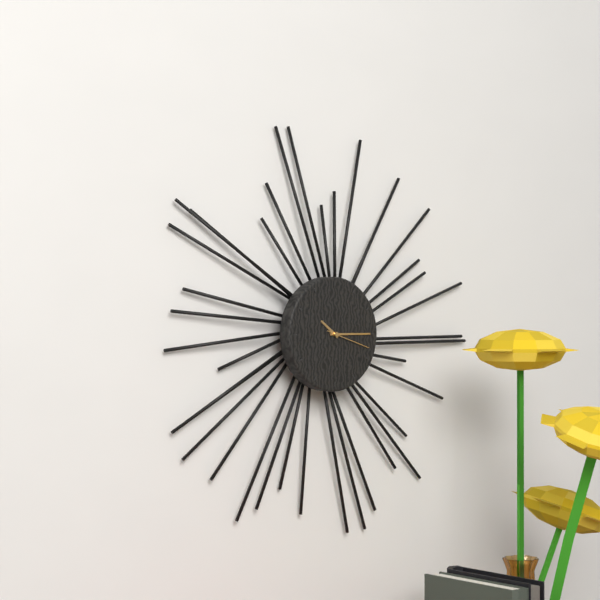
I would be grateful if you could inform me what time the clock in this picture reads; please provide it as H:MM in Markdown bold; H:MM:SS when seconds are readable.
**10:15**
